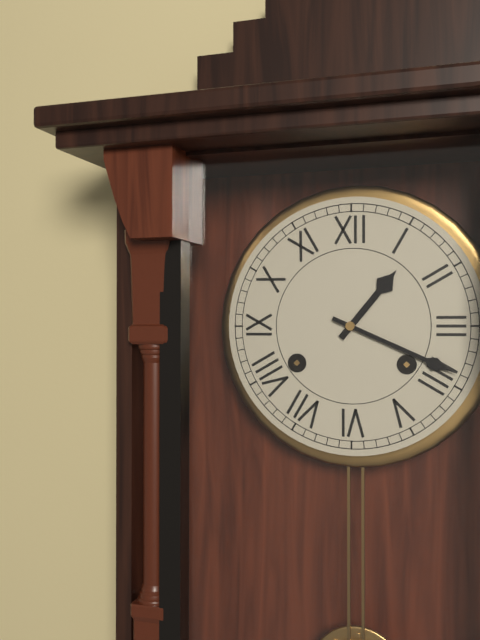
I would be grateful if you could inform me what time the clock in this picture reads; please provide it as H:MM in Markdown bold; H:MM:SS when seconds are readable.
**1:19**
